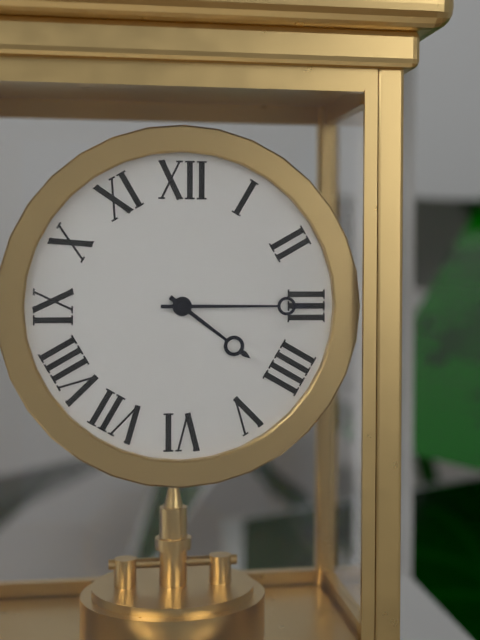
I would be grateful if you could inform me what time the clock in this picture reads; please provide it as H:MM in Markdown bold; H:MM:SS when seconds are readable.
**4:15**
